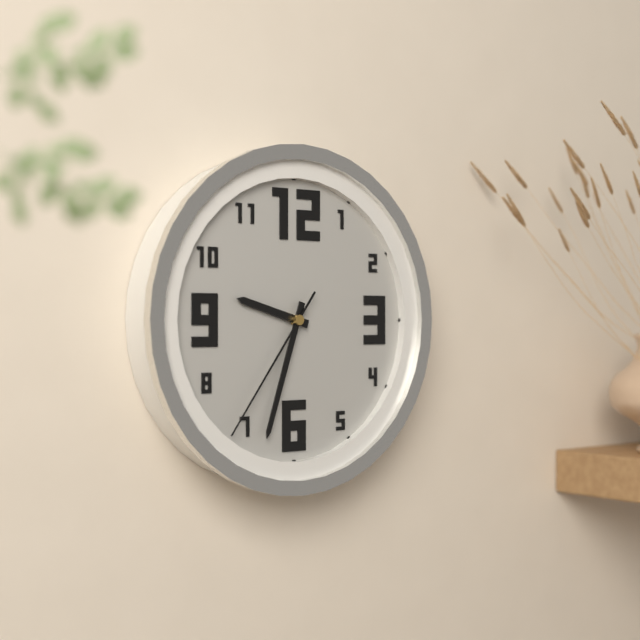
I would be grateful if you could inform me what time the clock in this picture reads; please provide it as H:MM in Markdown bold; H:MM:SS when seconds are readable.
**9:33:36**
